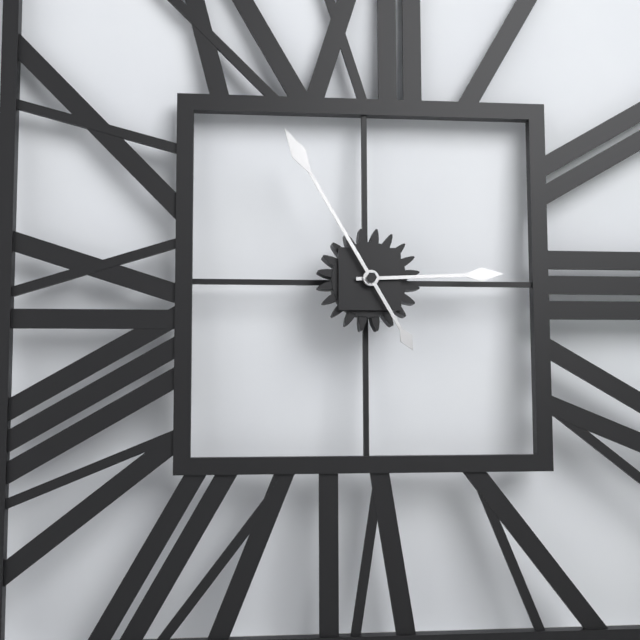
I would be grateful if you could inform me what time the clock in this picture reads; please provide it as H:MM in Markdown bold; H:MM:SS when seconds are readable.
**2:55**
